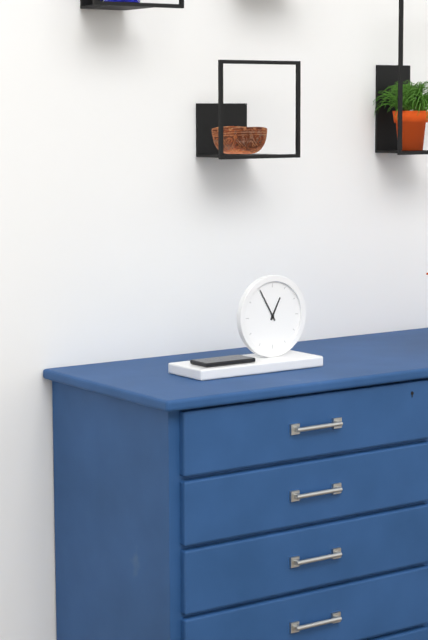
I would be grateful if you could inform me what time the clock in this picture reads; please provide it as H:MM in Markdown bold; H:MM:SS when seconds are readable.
**12:55**
